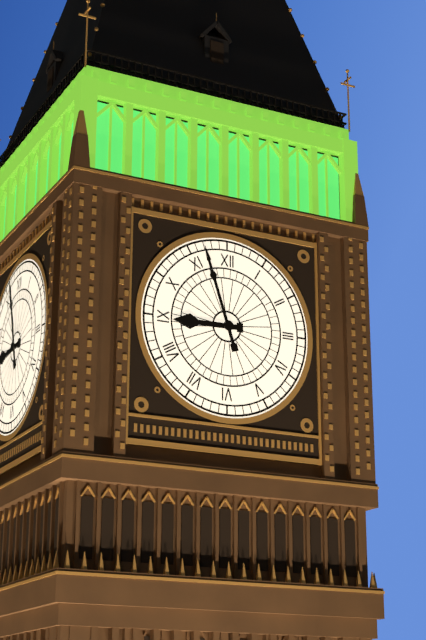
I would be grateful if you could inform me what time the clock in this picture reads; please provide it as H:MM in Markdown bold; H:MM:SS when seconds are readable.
**8:57**
